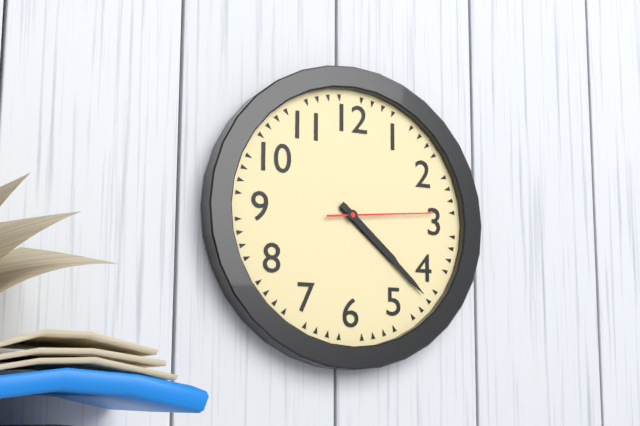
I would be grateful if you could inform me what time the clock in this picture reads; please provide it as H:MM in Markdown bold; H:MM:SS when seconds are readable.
**4:22:14**
